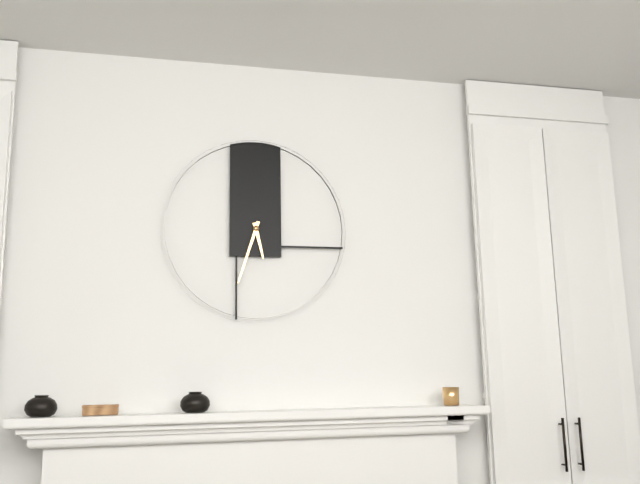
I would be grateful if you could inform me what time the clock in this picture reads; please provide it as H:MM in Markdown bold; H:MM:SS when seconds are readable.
**5:33**
